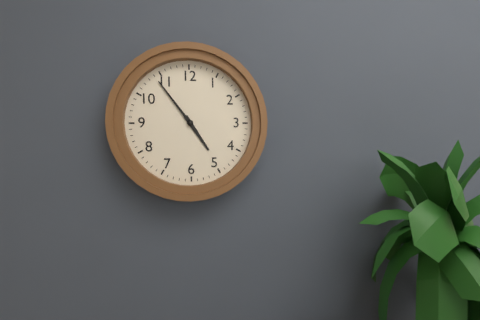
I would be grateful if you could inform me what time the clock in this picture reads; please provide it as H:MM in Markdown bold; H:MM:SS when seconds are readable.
**4:54**
